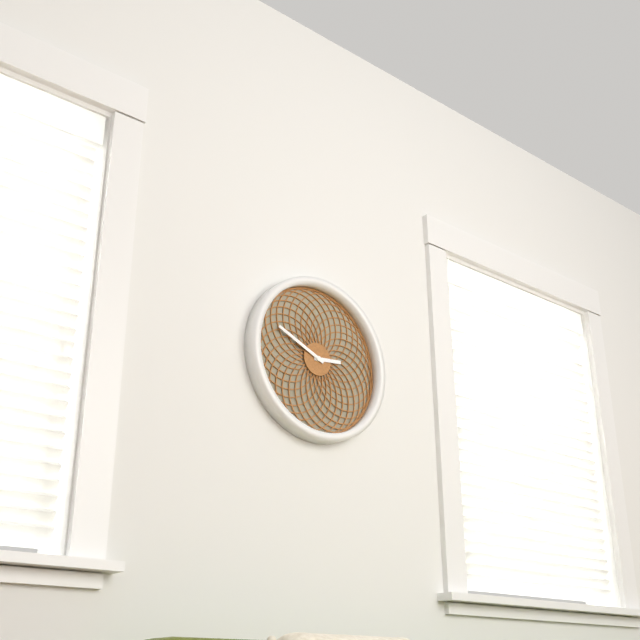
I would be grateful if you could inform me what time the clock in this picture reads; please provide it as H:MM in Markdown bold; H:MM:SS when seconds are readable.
**2:49**
